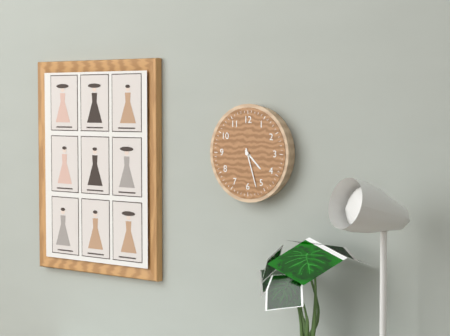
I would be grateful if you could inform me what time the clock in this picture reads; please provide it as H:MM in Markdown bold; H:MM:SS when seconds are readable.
**4:27**
